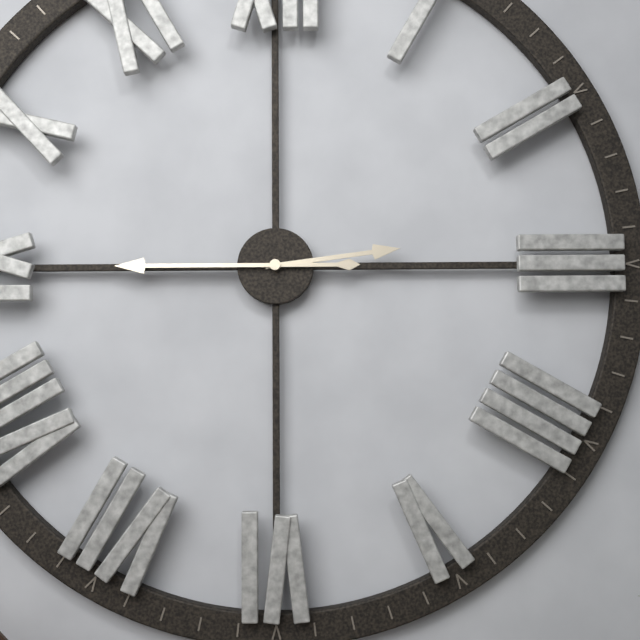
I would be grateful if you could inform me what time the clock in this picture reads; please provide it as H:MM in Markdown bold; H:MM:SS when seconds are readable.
**2:45**
